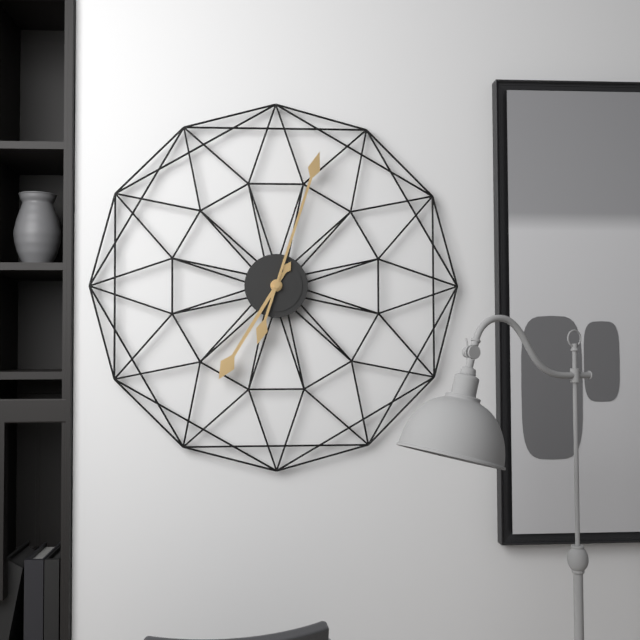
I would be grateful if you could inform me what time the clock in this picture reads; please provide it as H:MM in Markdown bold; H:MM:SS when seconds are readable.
**7:03**
